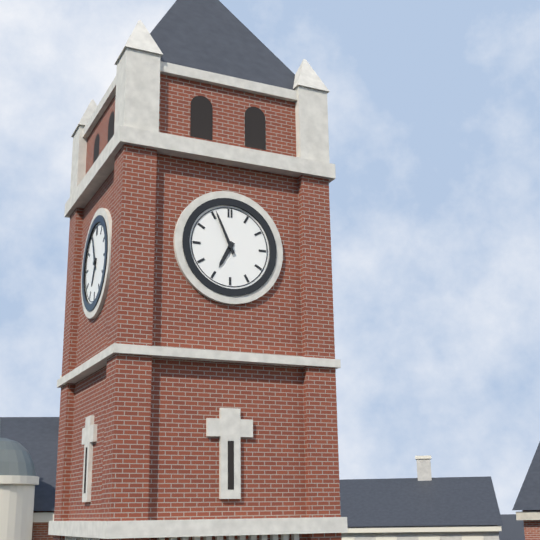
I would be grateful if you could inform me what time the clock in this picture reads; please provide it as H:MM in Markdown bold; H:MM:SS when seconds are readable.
**6:56**
